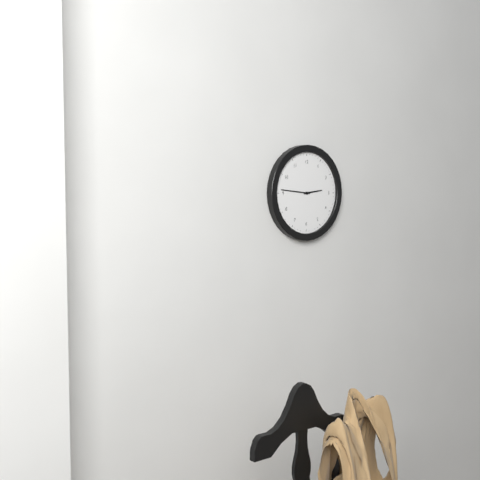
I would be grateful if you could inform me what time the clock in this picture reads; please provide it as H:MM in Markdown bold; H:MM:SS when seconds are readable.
**2:46**
